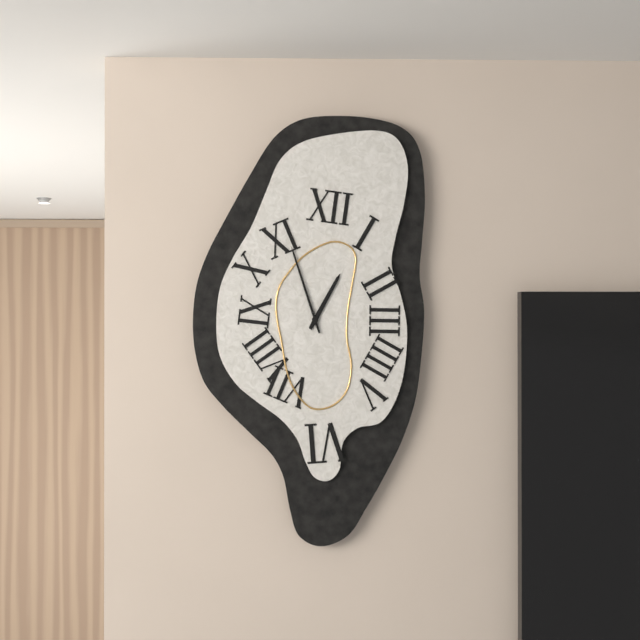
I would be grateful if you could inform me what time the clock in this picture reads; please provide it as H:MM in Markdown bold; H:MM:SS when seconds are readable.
**12:57**
